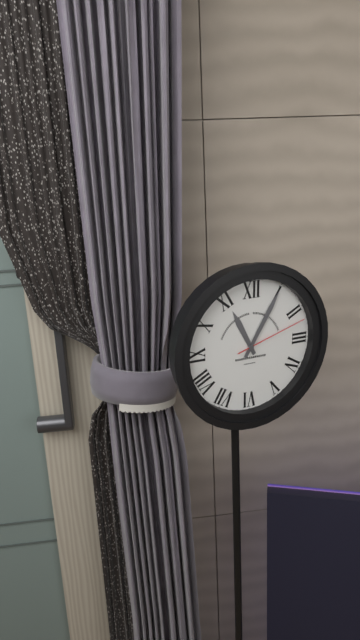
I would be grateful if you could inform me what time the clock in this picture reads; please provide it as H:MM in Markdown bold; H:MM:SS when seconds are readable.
**11:05:12**
